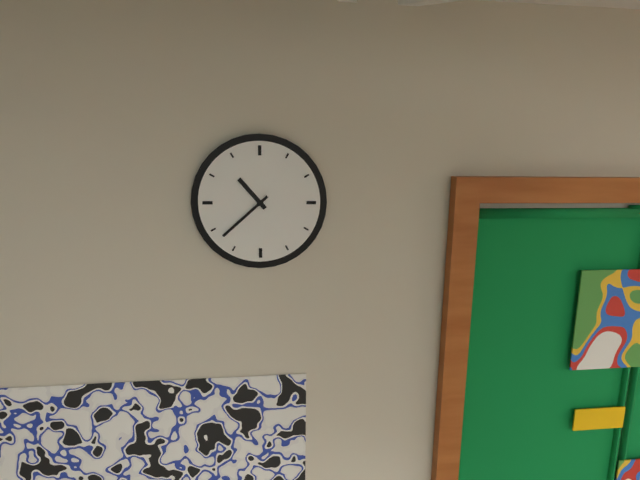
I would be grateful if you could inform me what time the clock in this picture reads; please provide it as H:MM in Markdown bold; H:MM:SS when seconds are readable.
**10:38**
